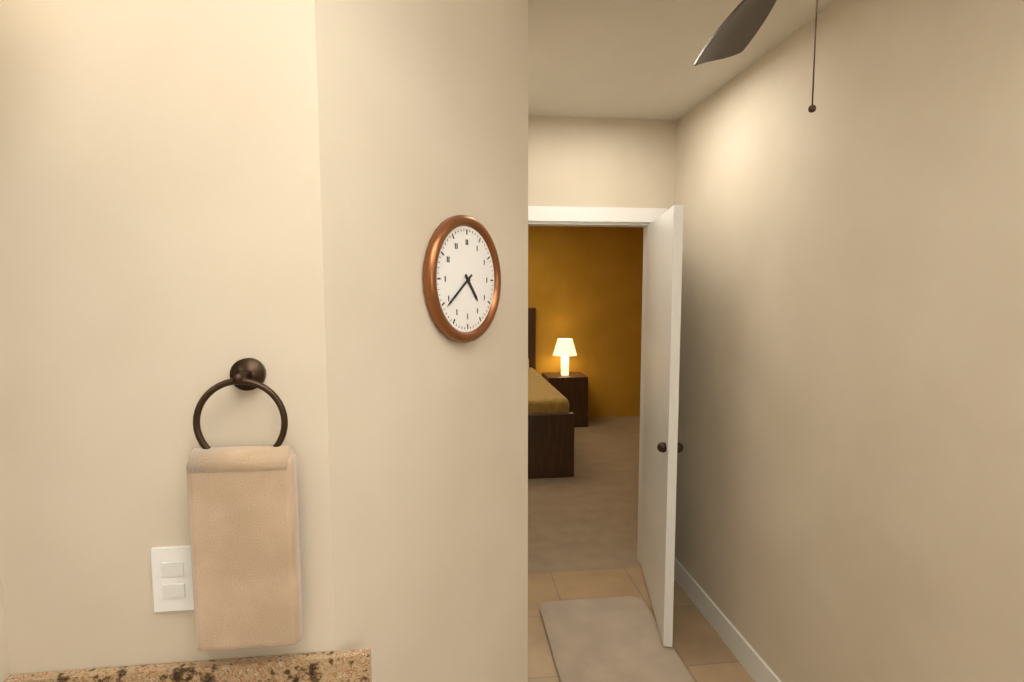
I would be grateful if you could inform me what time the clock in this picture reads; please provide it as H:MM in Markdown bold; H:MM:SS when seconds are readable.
**4:39**
